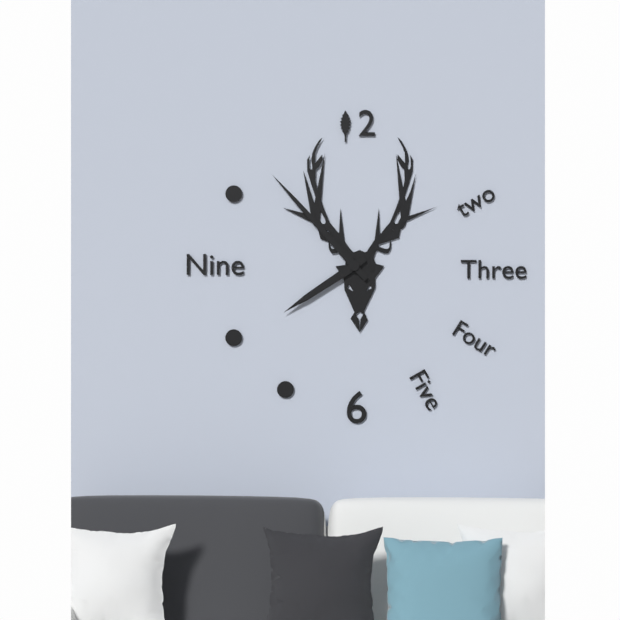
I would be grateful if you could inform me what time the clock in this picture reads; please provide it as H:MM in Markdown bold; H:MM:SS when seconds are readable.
**7:53**
